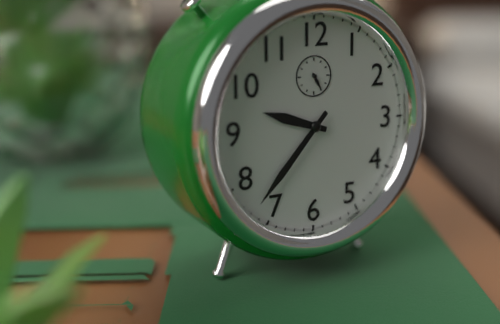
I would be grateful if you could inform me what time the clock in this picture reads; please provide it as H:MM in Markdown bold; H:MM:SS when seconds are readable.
**9:37**
